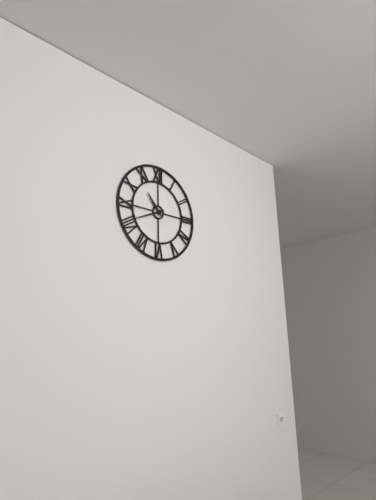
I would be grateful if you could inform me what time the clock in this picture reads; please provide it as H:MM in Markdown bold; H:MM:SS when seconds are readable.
**10:41**
